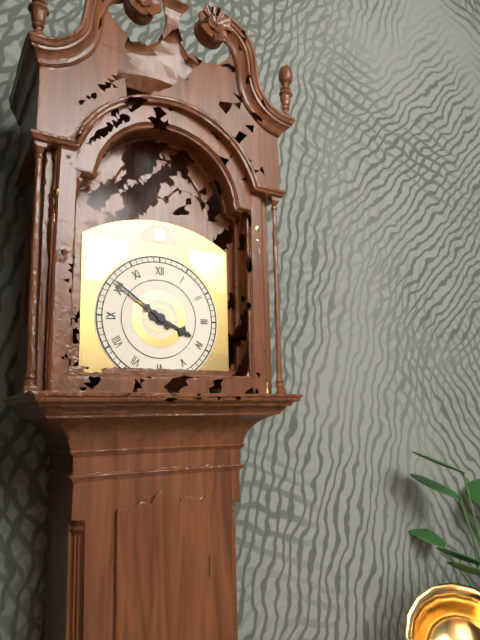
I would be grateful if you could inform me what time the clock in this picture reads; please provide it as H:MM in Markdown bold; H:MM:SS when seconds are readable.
**3:51**
